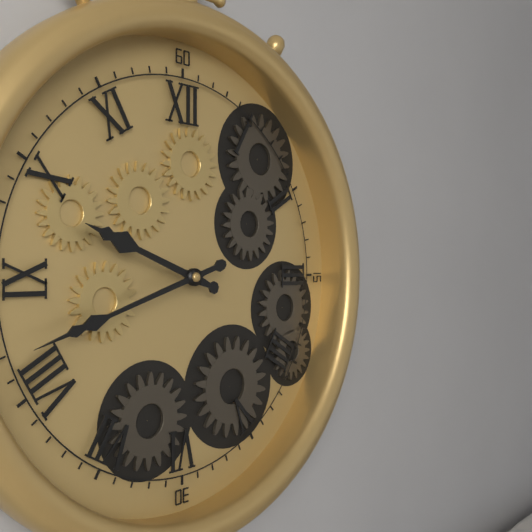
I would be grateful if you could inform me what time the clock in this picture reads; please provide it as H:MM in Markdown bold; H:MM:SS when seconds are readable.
**9:42**
